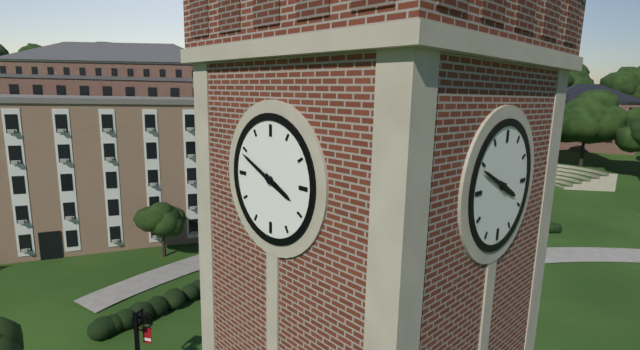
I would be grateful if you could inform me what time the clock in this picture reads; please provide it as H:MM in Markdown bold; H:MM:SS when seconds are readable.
**3:49**
